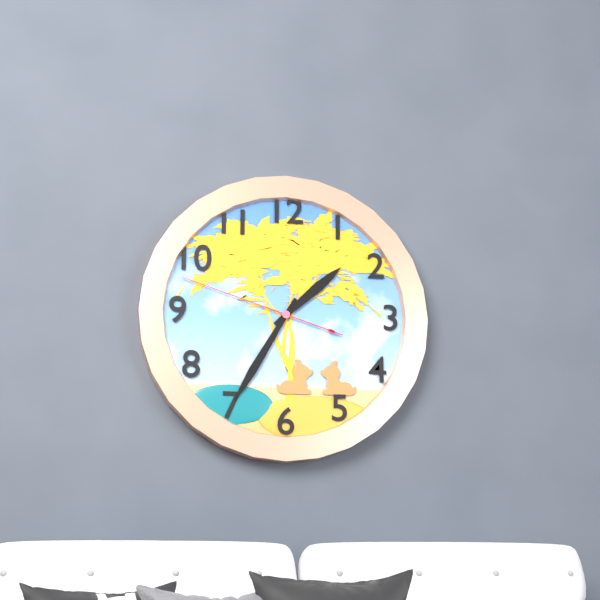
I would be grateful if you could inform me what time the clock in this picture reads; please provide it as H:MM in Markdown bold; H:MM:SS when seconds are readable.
**1:35:48**
